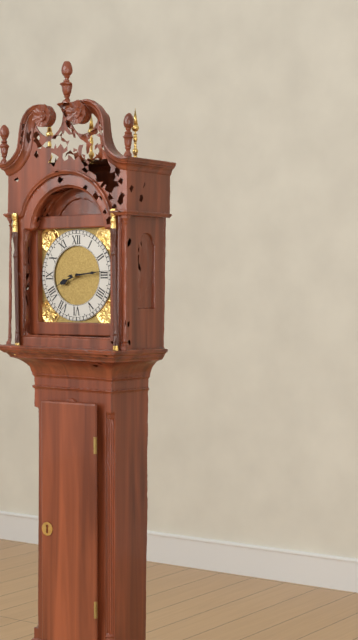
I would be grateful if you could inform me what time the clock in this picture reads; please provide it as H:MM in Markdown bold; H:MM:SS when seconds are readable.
**8:14**
